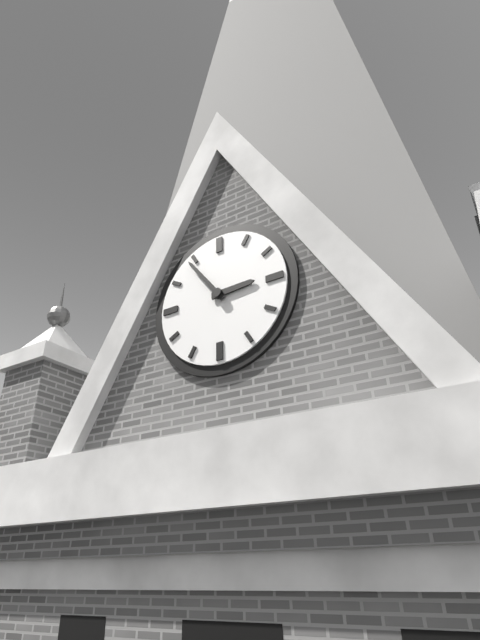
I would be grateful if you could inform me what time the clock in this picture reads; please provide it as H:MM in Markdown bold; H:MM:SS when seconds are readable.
**2:54**
